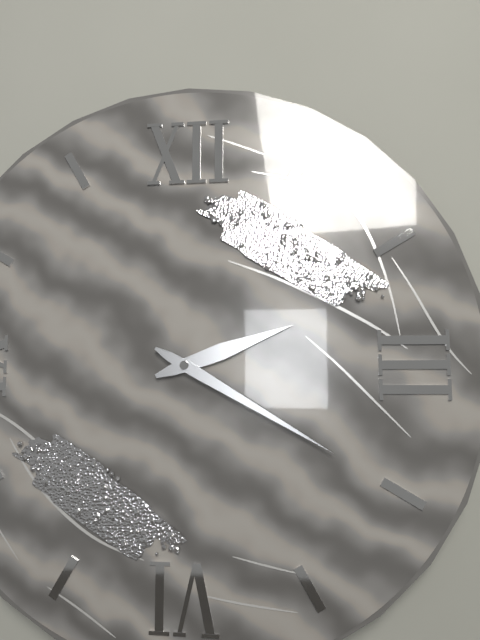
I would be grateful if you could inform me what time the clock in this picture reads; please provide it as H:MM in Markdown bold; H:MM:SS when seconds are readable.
**2:20**
